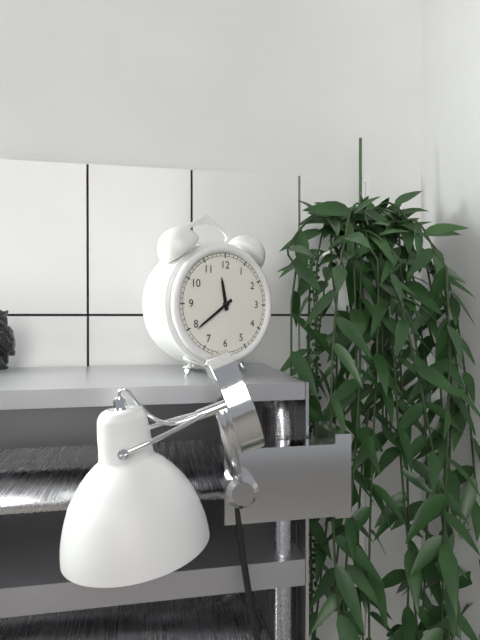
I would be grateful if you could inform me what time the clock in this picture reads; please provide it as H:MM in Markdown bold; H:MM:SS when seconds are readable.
**11:39**
